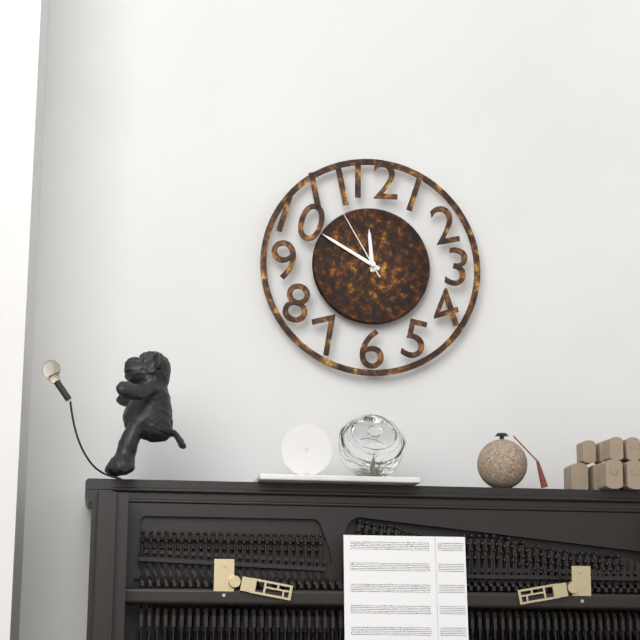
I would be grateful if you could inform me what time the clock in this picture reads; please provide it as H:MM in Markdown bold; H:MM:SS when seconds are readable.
**11:50:55**
